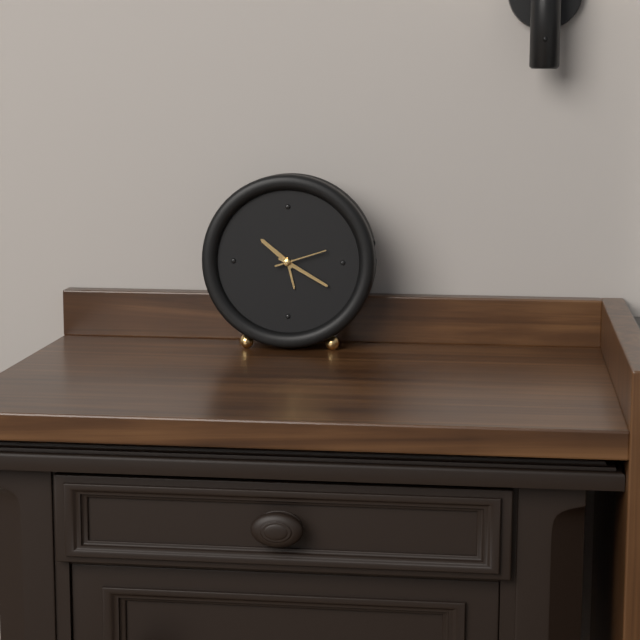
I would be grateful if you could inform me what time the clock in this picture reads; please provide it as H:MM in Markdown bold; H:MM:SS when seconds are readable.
**10:20:12**
